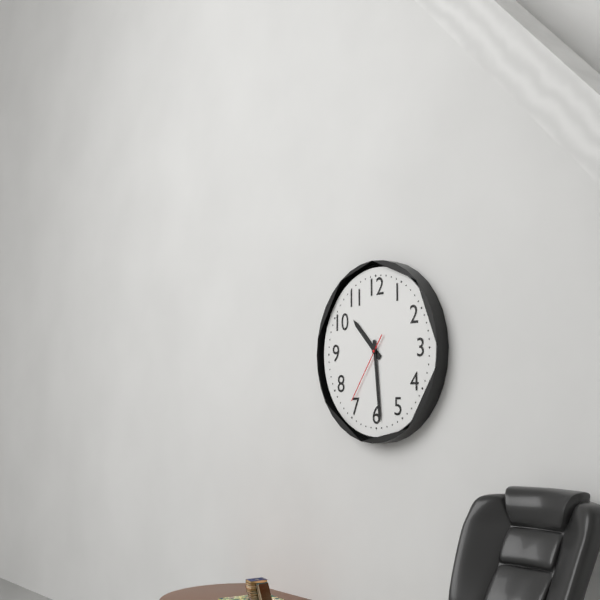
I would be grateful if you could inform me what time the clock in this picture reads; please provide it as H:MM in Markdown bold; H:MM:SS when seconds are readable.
**10:29:36**
